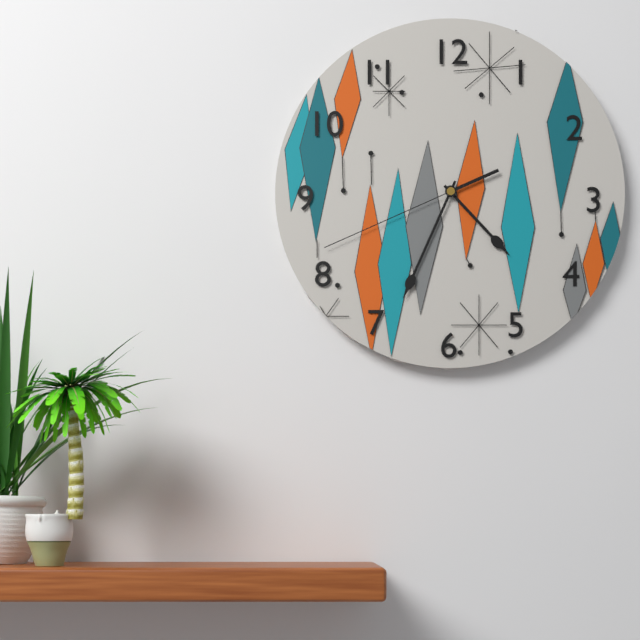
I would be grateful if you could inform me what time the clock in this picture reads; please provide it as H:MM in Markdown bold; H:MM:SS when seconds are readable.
**4:34:41**
